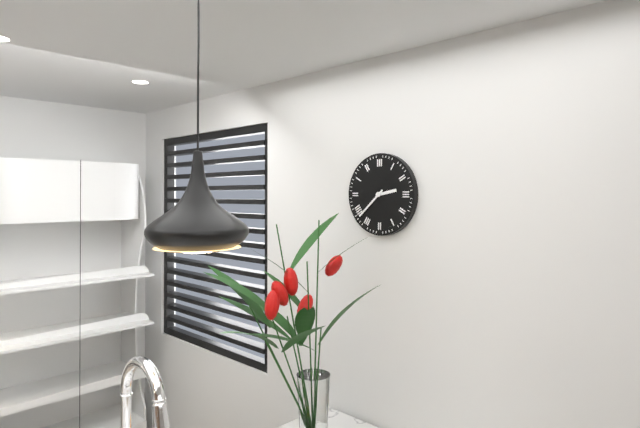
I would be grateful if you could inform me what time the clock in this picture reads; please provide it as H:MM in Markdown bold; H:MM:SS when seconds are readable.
**2:38**
